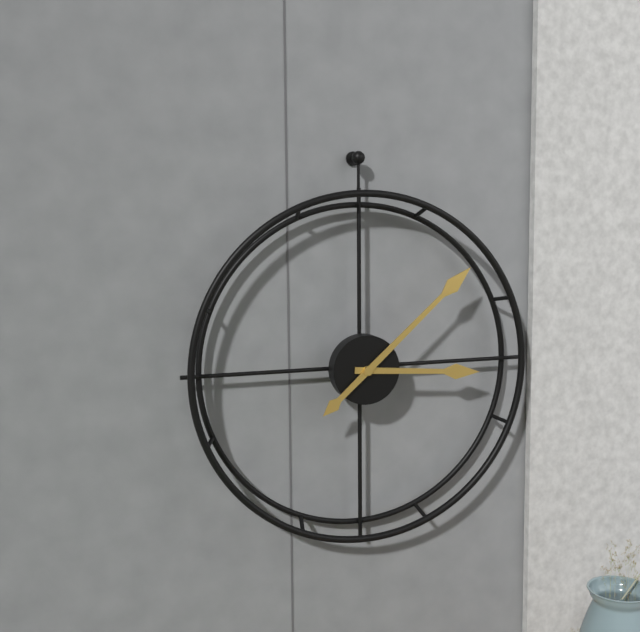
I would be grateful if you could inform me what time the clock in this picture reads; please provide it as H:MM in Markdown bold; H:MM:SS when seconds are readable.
**3:08**
